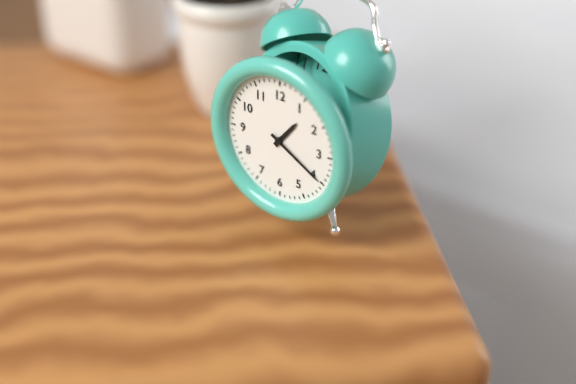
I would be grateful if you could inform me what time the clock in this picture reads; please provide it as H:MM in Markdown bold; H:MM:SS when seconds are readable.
**1:20**
